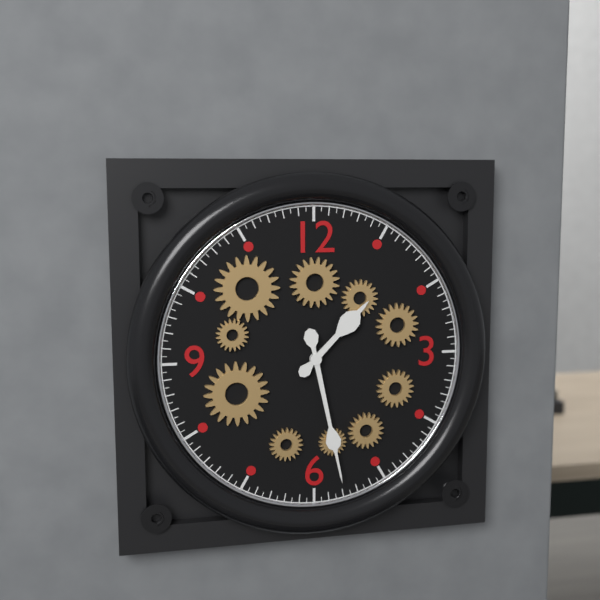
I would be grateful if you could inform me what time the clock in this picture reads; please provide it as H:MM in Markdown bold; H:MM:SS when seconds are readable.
**1:28**
